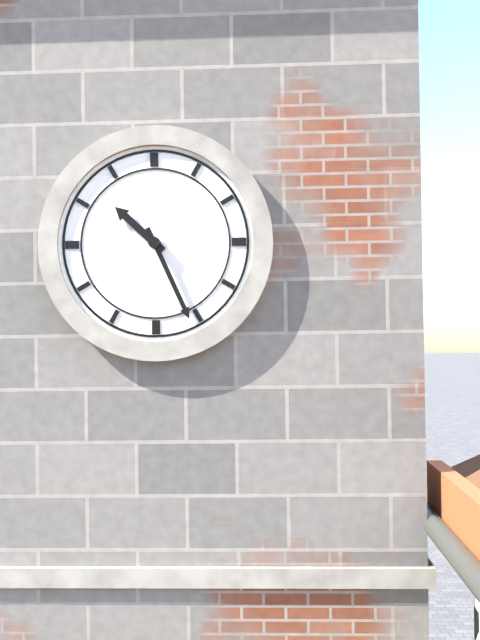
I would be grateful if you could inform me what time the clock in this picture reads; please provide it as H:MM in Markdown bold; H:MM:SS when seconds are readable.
**10:26**
